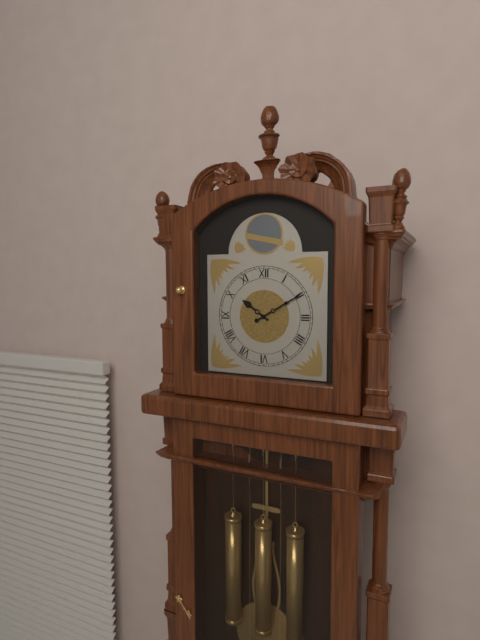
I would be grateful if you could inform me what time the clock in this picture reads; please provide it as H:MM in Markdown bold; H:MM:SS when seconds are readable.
**10:10**
